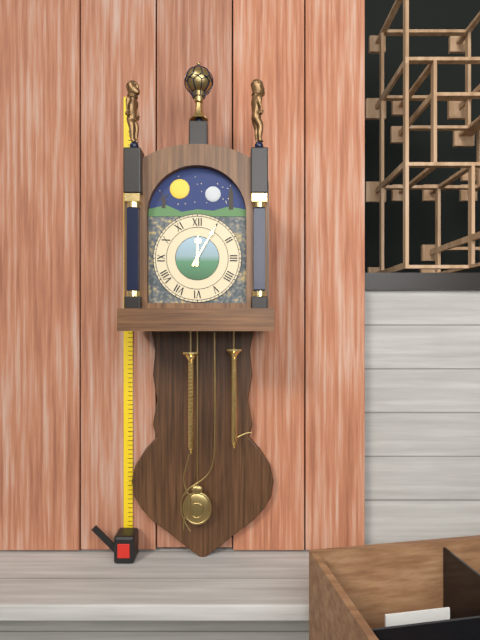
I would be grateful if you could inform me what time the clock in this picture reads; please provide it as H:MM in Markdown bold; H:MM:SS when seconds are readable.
**12:05**
